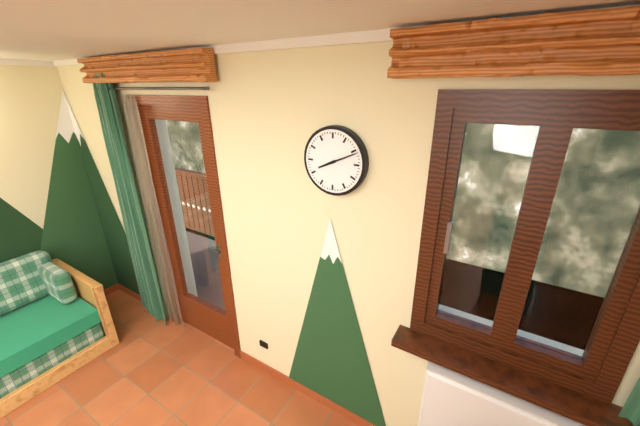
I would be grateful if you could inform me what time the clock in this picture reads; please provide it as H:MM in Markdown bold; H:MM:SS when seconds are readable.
**8:11**
